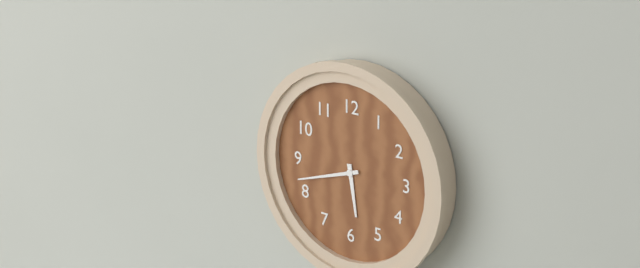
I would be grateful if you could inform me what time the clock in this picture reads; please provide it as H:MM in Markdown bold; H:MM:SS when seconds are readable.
**5:42**
